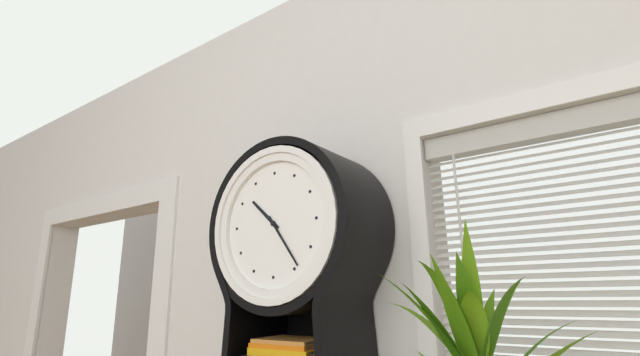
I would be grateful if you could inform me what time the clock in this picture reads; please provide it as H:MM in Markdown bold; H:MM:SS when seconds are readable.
**10:24**
